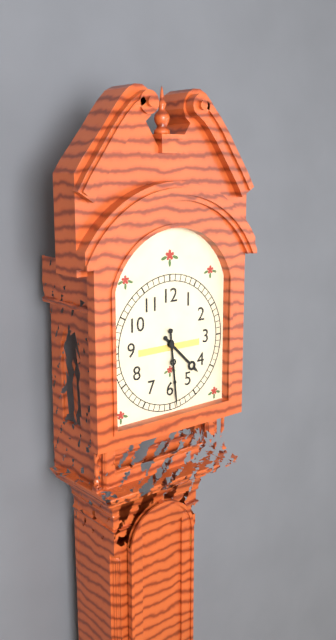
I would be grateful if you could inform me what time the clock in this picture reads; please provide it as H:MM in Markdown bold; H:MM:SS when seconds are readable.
**4:29**
